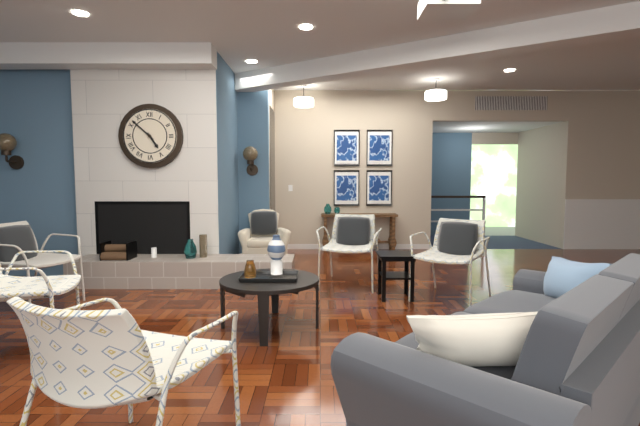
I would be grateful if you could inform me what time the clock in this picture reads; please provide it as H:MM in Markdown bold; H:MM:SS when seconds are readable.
**4:52**
